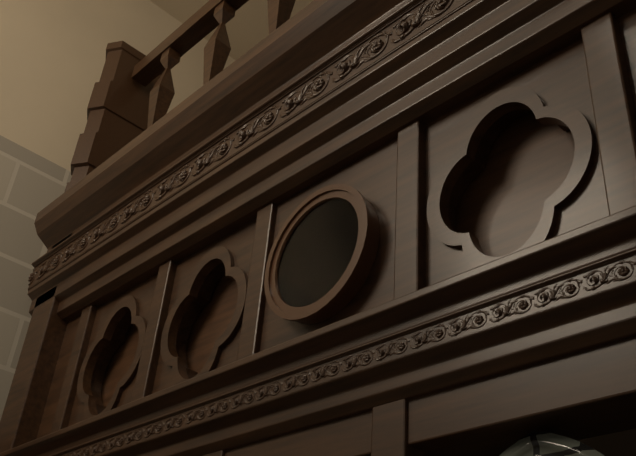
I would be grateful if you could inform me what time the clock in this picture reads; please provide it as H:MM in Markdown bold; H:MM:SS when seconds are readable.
**1:24**
